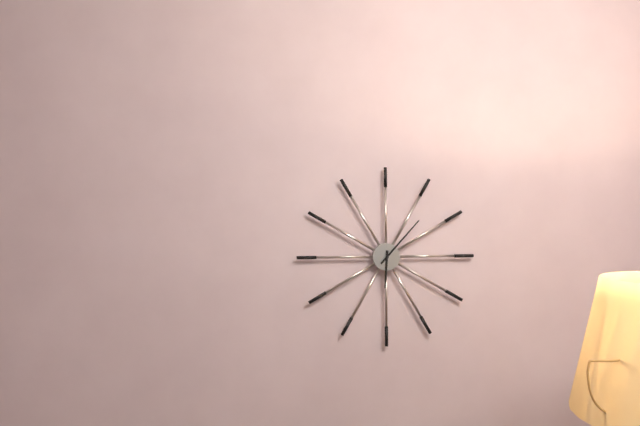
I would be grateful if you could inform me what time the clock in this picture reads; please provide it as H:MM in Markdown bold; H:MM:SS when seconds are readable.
**6:07**
